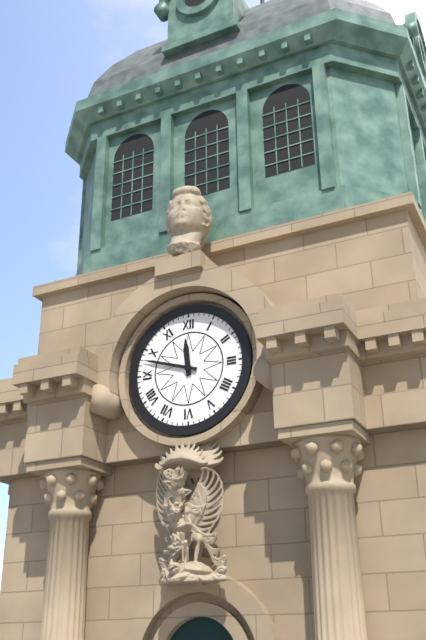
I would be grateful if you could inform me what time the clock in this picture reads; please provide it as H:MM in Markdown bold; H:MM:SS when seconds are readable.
**11:48**
